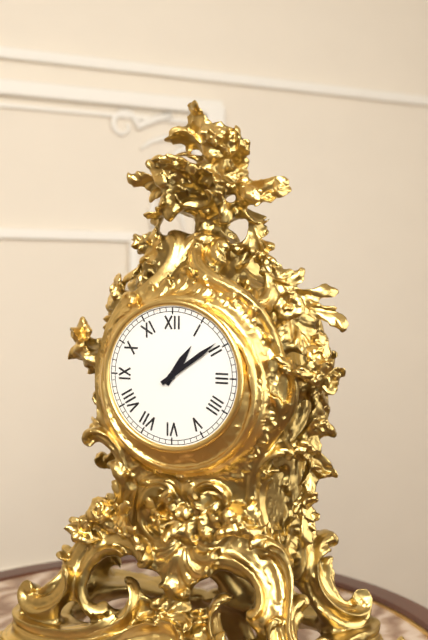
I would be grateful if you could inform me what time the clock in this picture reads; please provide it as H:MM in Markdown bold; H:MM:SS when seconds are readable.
**1:09**
